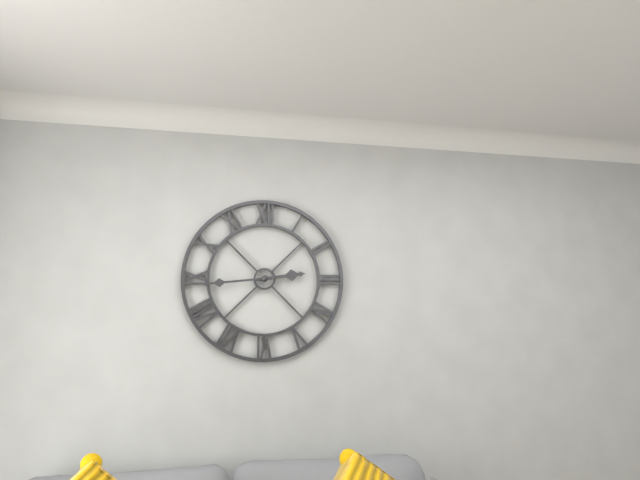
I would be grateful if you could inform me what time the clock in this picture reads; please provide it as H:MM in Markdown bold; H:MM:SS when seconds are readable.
**2:44**
